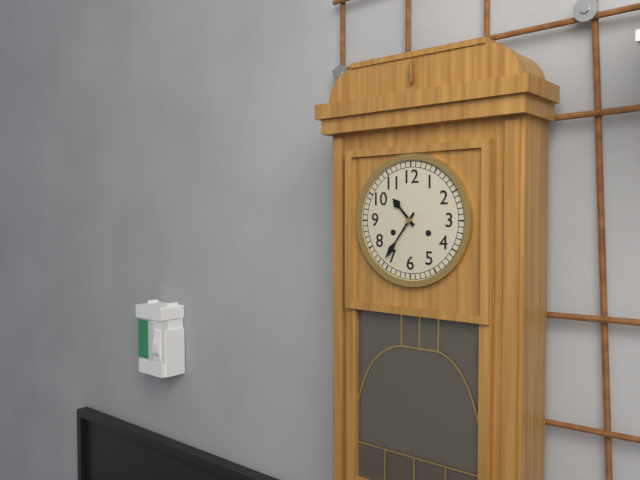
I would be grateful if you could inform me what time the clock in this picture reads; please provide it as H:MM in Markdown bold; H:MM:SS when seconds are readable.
**10:36**
